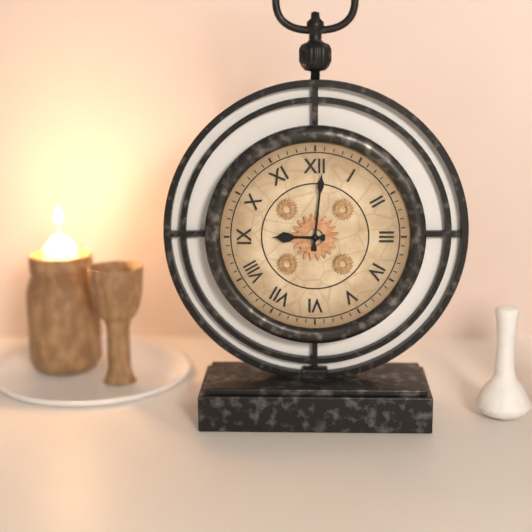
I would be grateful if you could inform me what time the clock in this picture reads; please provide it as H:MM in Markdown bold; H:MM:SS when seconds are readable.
**9:01**
